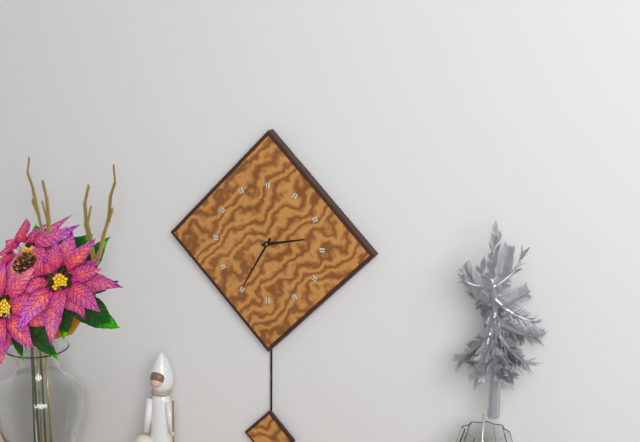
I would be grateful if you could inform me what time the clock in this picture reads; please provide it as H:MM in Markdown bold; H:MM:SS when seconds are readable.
**2:35**
